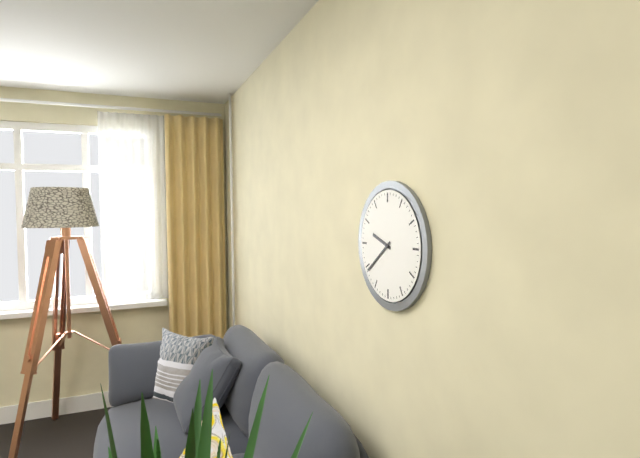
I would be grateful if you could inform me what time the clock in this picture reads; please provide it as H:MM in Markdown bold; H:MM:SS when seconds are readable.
**9:39**
